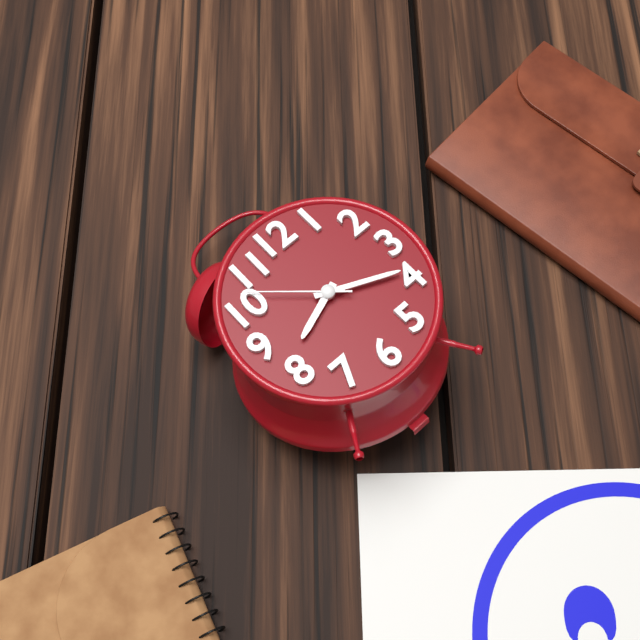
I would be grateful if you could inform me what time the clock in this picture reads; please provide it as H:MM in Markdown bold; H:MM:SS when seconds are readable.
**8:19:52**
